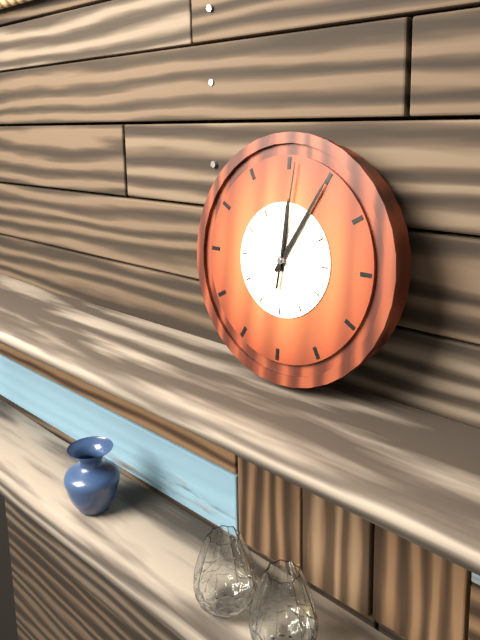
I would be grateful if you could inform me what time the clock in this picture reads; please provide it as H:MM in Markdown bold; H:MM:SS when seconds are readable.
**12:05:01**
